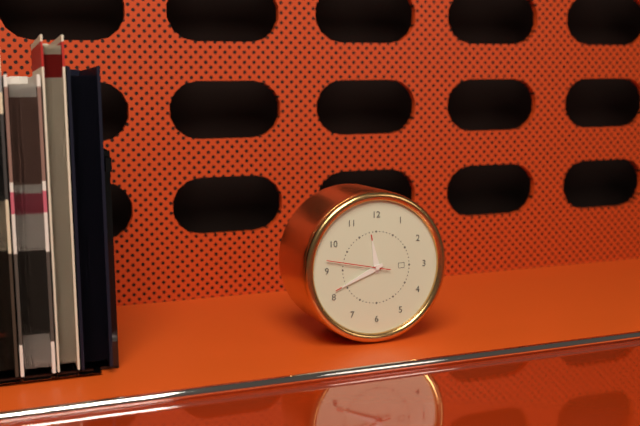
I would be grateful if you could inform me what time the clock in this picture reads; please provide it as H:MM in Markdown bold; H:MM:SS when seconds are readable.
**11:41:47**
